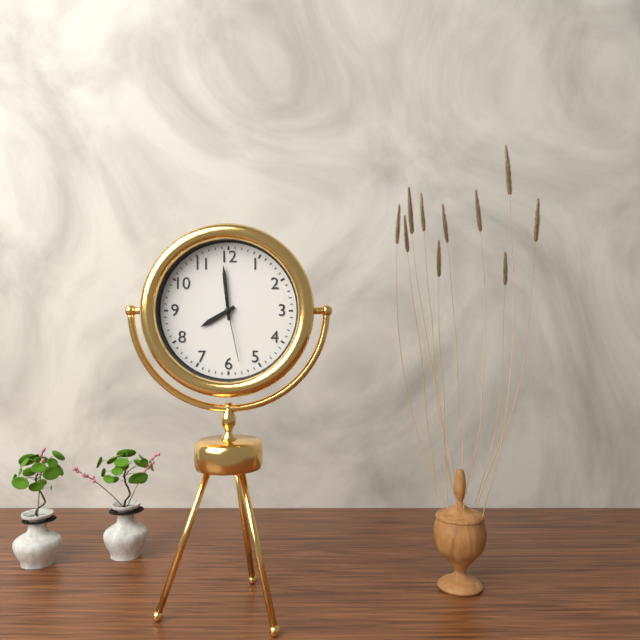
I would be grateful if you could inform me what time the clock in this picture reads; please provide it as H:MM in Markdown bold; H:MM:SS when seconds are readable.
**7:59:28**
